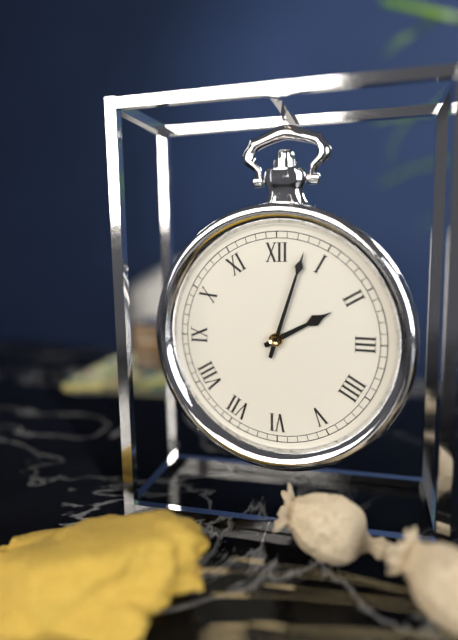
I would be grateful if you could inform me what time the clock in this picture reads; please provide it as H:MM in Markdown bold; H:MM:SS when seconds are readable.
**2:03**
